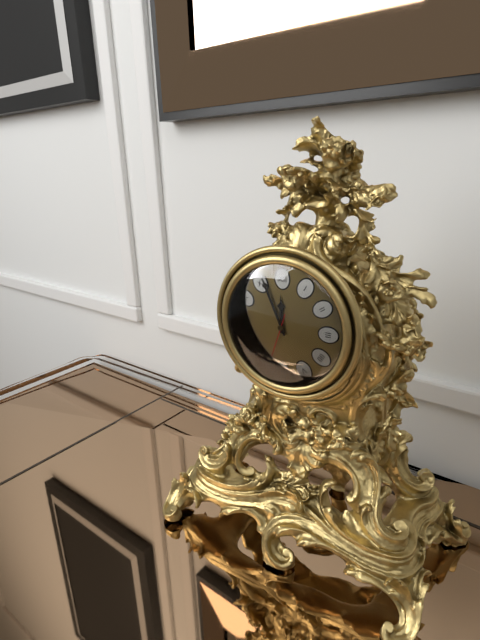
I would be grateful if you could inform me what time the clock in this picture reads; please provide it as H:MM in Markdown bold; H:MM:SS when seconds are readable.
**11:56:33**
